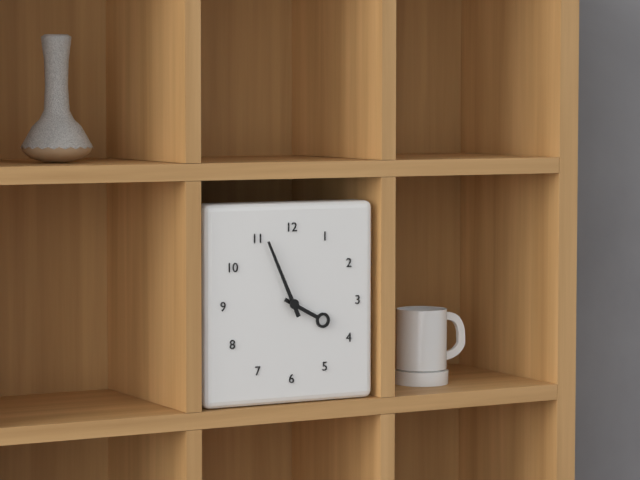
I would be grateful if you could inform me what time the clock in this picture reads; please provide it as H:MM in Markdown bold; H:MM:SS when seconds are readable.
**3:56**
